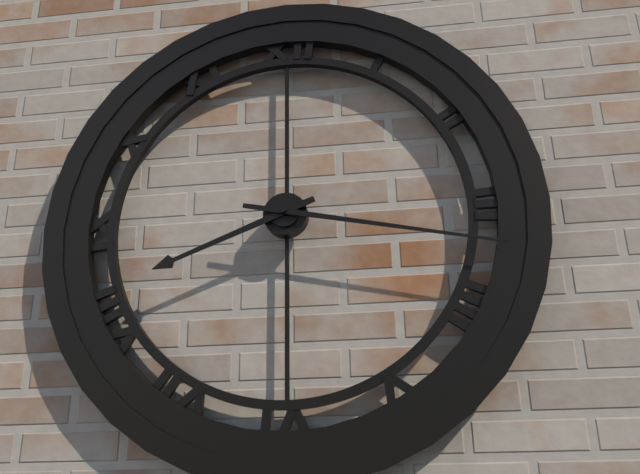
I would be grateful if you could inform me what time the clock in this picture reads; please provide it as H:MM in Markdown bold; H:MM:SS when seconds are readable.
**8:17**
